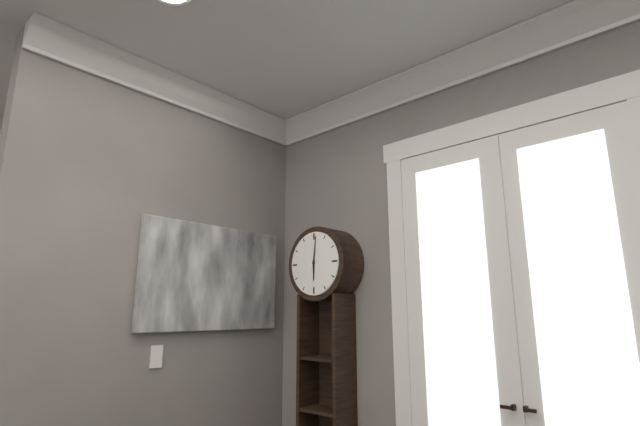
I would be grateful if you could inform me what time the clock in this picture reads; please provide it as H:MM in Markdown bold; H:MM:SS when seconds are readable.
**6:01**
